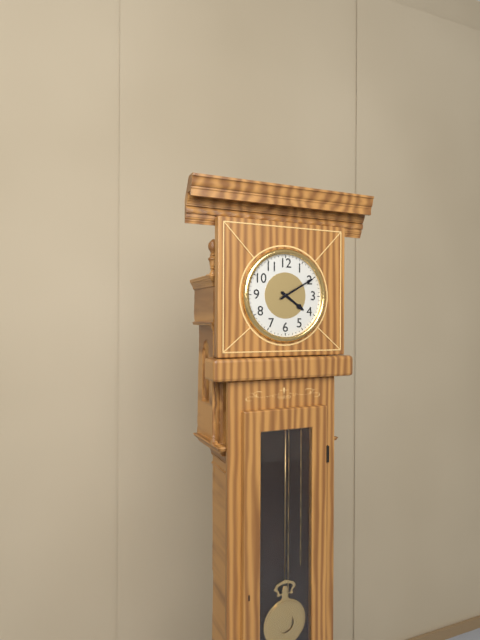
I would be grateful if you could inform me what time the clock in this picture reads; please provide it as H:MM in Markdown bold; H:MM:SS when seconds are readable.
**4:10**
